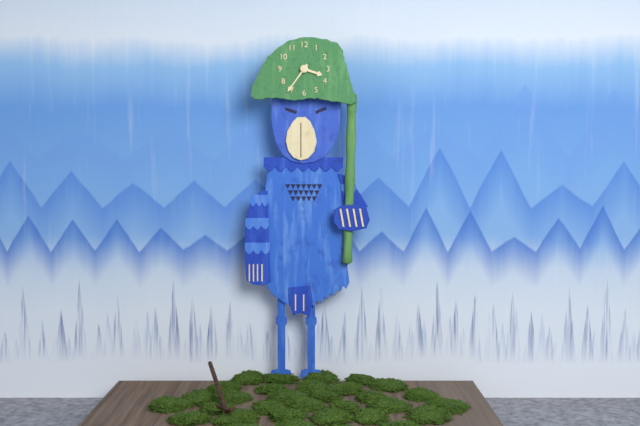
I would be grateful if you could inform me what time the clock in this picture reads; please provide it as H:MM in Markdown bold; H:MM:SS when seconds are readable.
**3:36**
